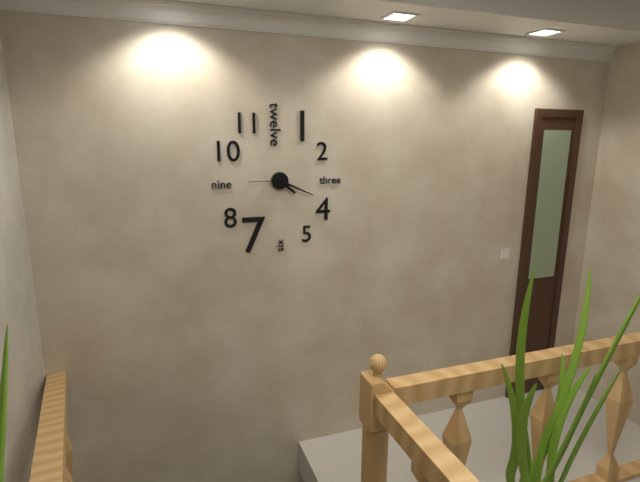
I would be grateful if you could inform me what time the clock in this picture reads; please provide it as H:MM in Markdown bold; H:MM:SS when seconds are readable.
**4:19**
